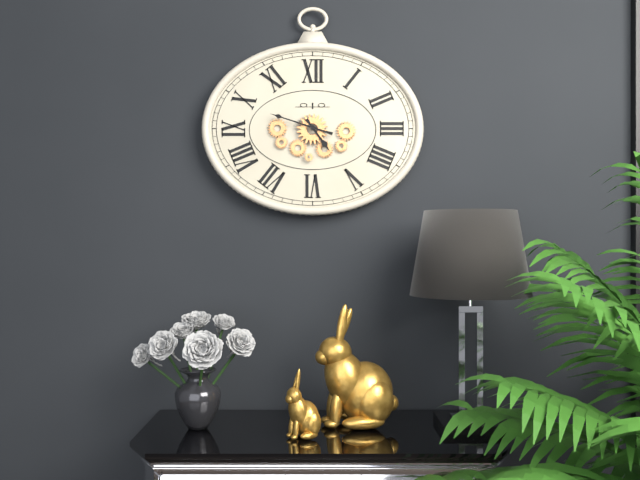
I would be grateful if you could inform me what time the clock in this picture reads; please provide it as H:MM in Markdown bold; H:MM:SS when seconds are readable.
**4:48**
